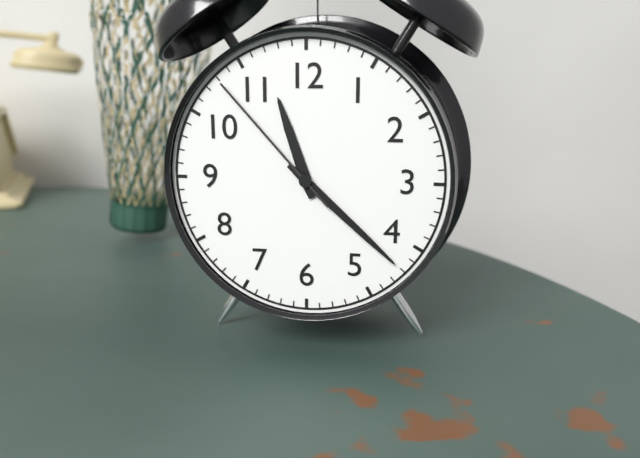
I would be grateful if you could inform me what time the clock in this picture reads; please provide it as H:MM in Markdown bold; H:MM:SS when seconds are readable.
**11:22:53**
